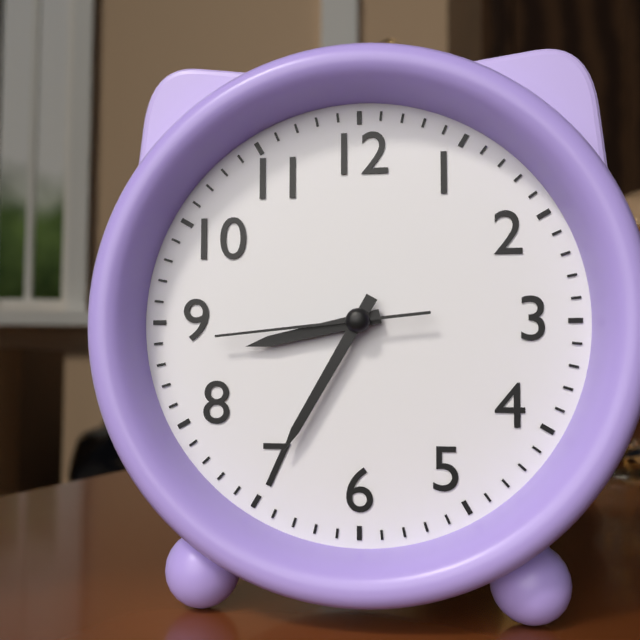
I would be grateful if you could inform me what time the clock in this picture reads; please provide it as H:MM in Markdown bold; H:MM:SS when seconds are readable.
**8:35:44**
